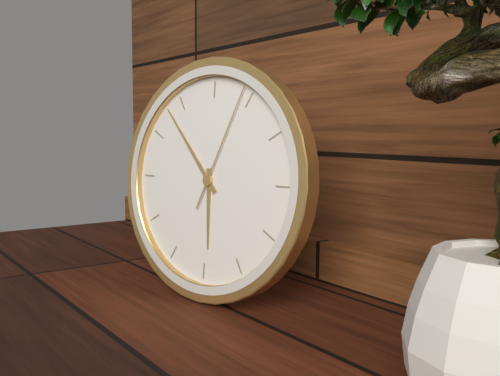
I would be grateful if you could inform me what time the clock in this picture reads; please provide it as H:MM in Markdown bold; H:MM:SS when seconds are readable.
**5:53:04**
